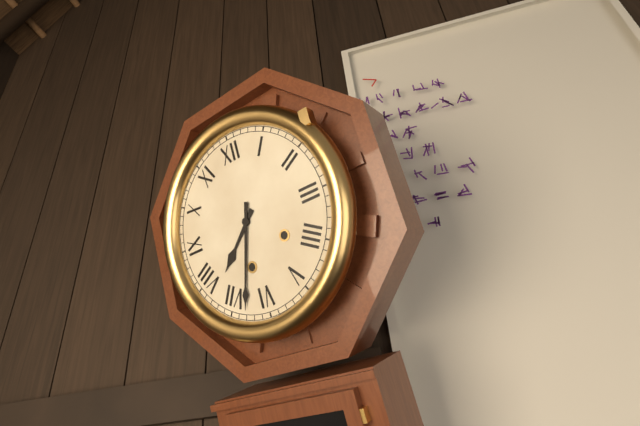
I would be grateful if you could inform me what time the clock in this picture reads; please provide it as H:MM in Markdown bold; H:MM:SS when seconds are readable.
**7:33**
